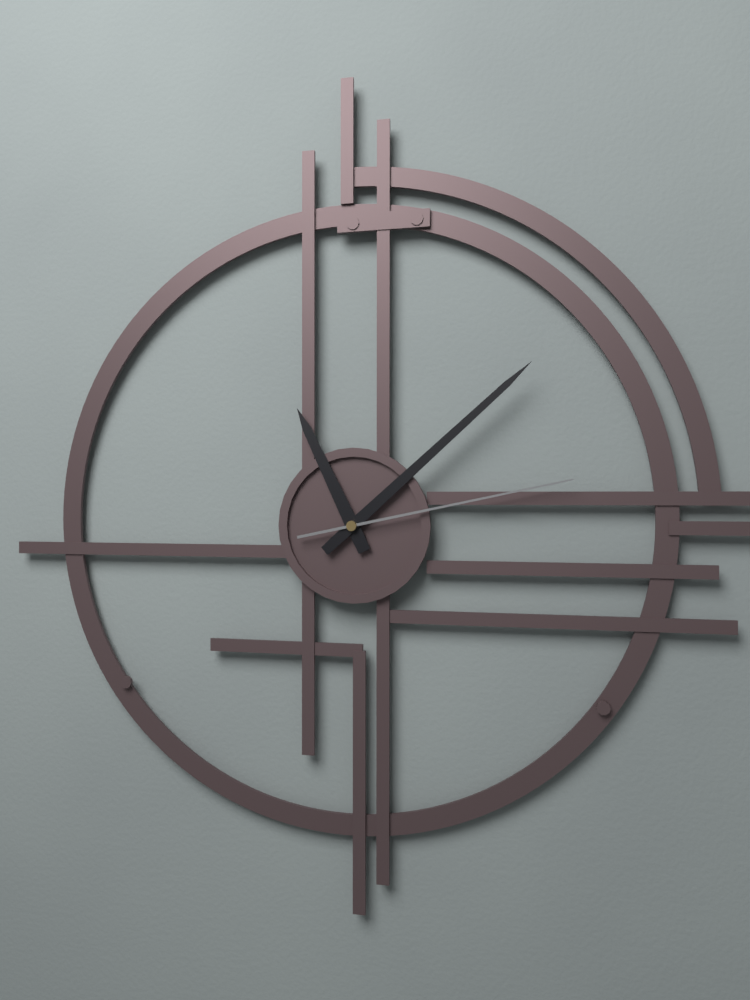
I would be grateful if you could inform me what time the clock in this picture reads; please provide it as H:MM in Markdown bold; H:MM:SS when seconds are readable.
**11:08:13**
